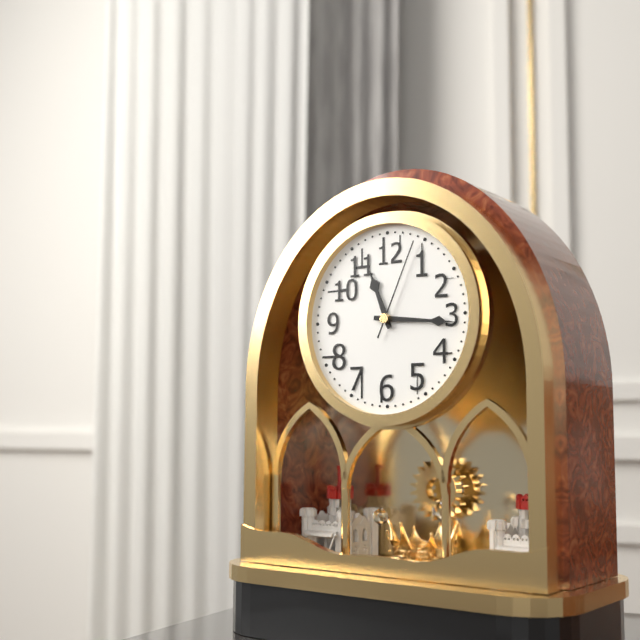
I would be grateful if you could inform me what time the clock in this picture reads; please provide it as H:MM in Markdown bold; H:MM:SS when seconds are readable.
**11:16:04**
